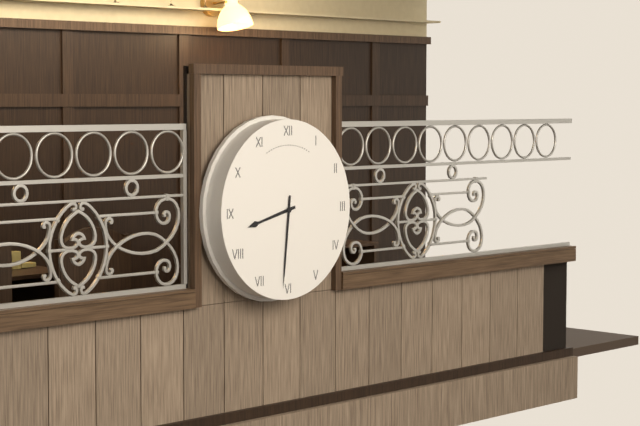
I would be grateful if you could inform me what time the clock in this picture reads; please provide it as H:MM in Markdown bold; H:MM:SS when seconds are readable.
**8:31**
